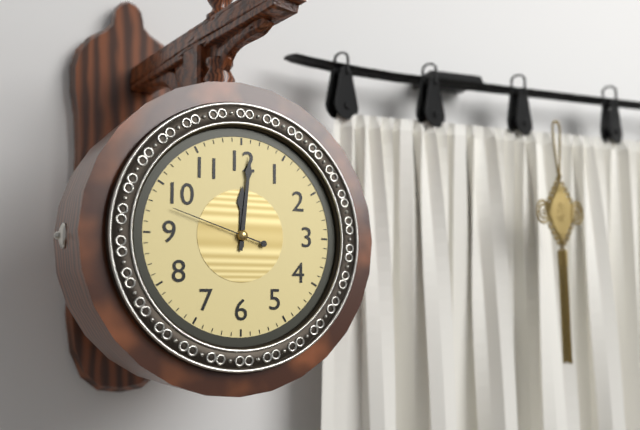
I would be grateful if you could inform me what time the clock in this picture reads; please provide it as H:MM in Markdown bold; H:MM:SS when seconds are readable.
**12:01:48**
